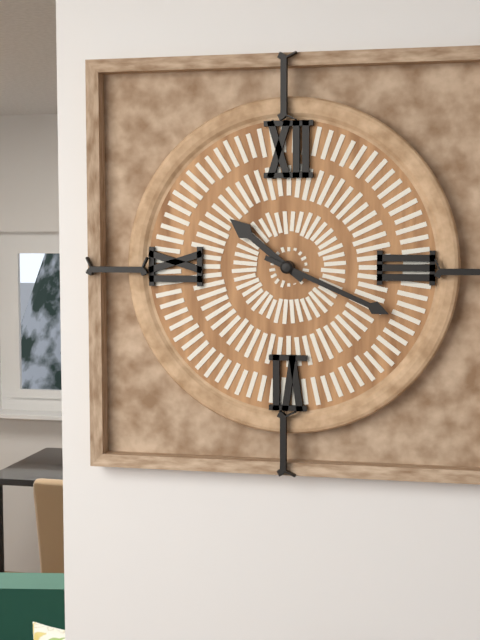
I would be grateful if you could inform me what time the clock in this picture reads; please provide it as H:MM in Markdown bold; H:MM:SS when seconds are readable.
**10:19**
